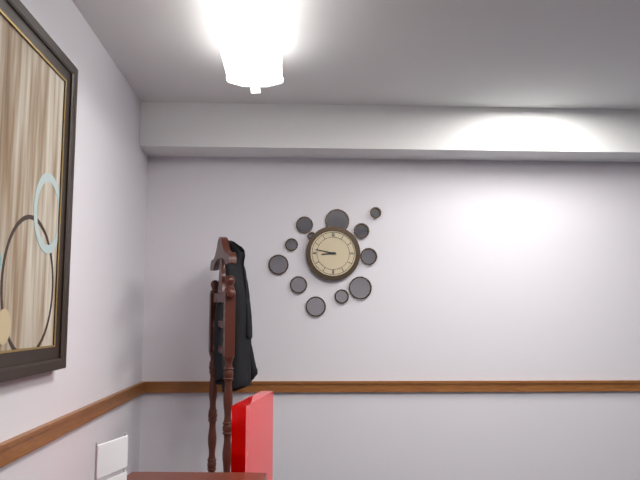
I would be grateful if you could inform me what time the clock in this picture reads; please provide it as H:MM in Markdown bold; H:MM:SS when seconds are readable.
**8:47**
